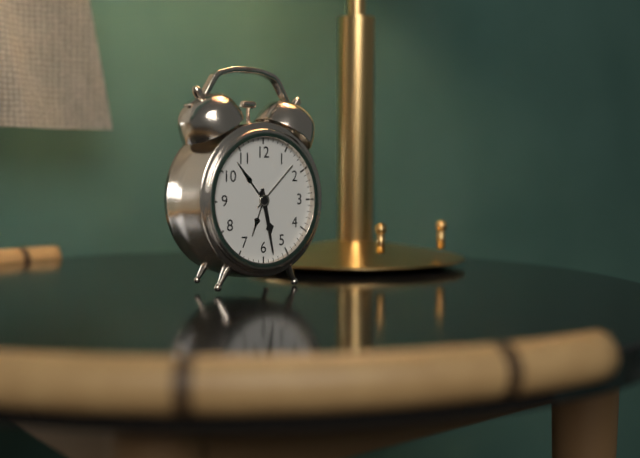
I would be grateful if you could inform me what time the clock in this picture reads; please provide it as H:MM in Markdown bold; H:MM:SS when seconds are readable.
**5:28**
